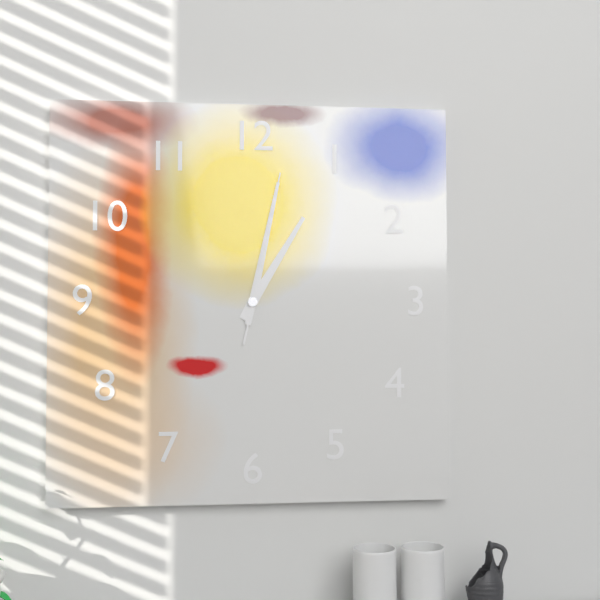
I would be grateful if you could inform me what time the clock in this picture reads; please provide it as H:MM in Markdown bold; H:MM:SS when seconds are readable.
**1:02:02**
